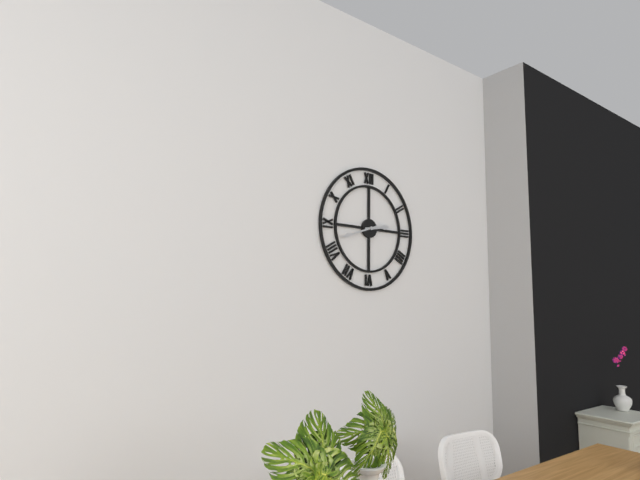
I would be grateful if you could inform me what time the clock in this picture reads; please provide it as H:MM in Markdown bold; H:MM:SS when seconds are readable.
**2:42**
